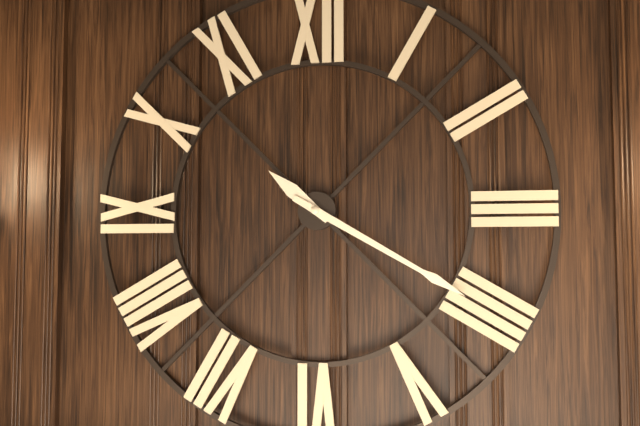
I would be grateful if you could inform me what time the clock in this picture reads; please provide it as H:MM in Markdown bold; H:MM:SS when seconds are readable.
**10:20**
